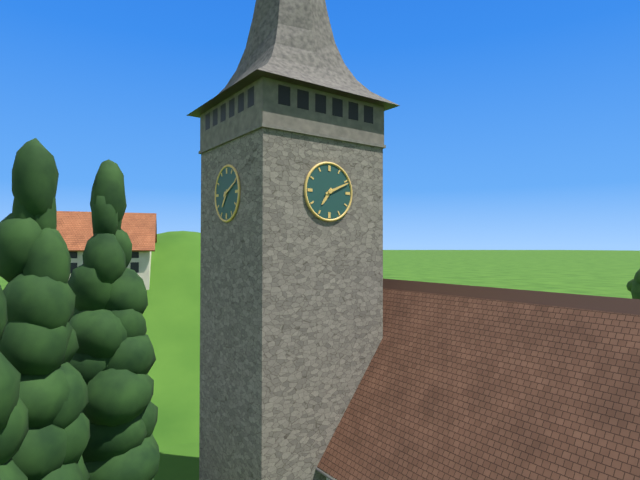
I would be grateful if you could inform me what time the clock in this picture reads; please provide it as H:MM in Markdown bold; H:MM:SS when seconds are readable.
**7:11**
